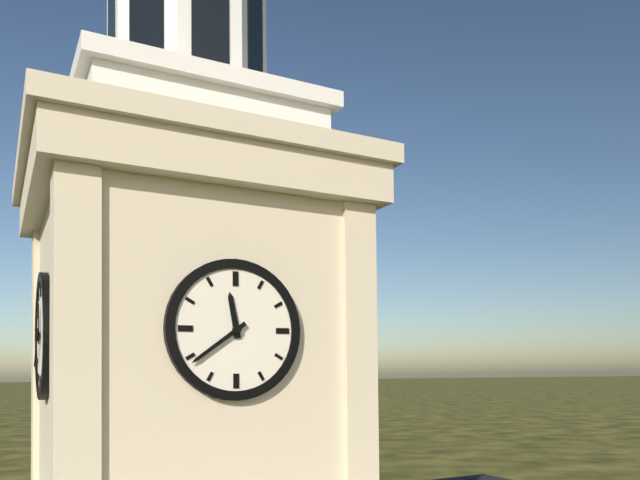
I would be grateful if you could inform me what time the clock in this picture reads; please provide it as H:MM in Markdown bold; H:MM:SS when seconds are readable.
**11:39**
